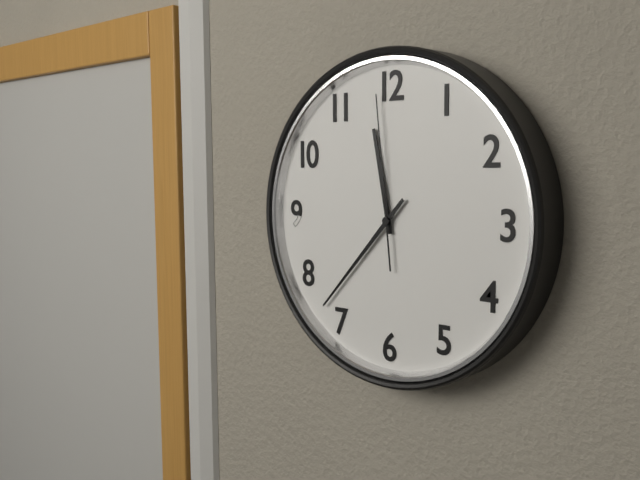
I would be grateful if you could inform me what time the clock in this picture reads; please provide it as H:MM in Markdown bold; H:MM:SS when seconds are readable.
**11:37:59**
